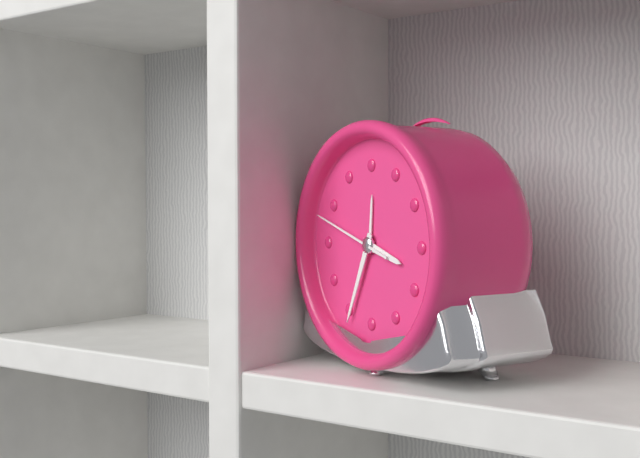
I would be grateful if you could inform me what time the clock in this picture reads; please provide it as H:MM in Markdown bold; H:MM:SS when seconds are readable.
**3:34:48**
